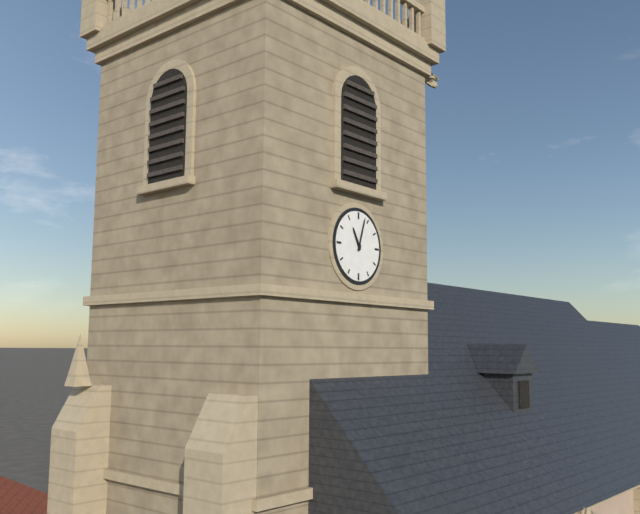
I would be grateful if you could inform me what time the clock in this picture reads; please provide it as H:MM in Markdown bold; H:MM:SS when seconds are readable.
**11:03**
